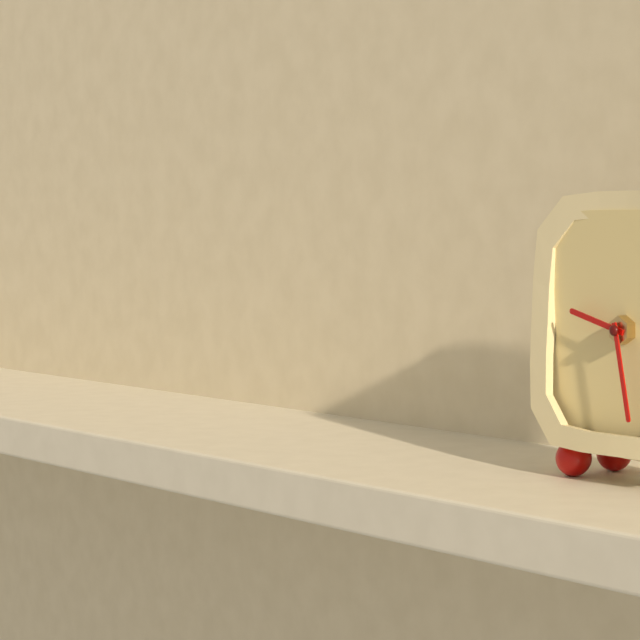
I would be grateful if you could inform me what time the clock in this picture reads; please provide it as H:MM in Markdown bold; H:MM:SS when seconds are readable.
**9:28**
